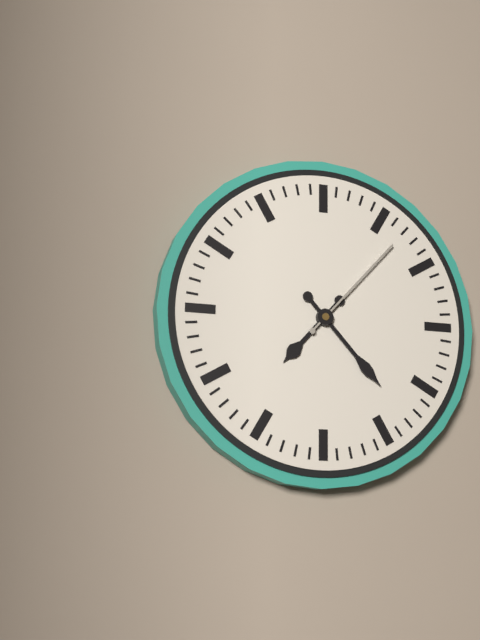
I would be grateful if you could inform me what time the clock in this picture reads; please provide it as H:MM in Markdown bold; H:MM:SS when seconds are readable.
**7:23:07**
